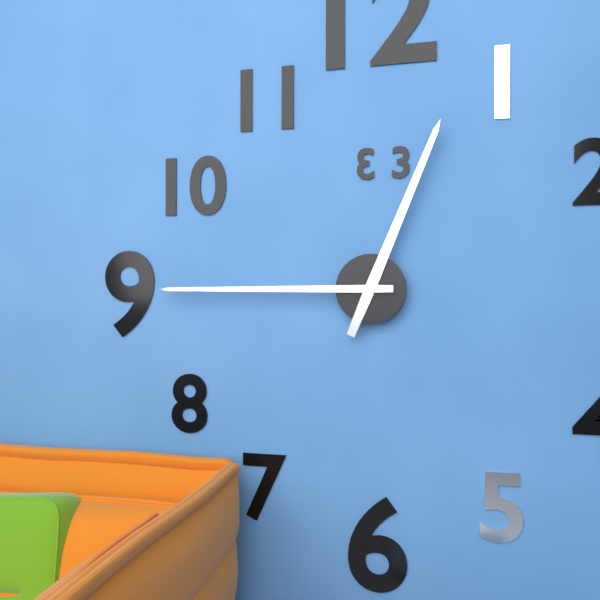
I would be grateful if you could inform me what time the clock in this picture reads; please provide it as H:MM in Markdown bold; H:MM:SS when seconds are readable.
**12:45**
